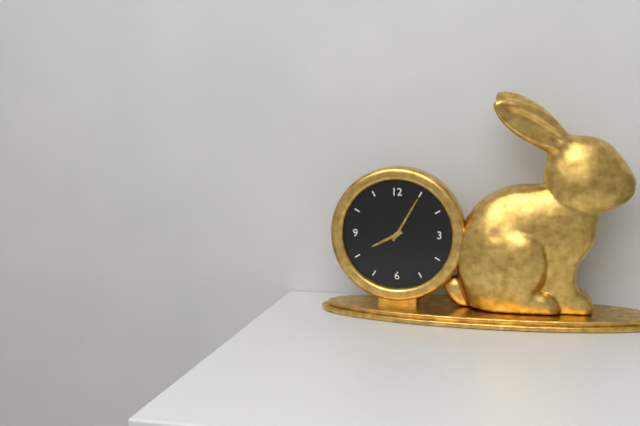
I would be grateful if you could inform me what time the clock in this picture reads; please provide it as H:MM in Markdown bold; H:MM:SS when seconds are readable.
**8:05**
